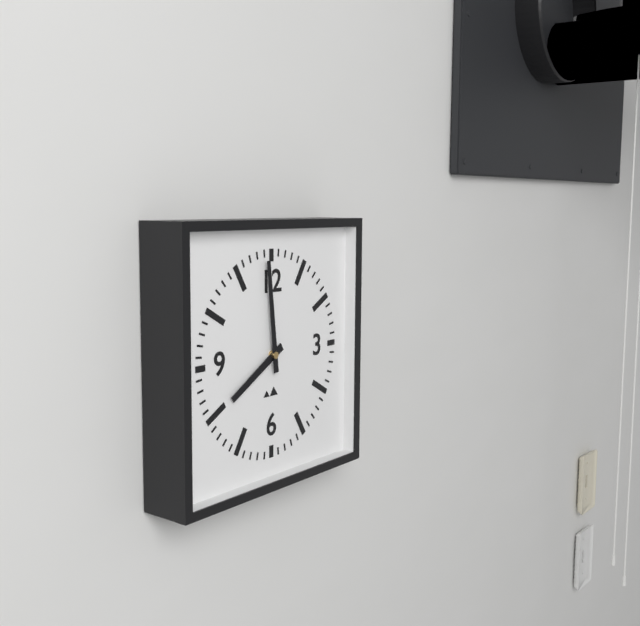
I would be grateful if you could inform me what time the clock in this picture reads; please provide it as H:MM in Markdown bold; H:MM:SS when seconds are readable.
**7:59**
